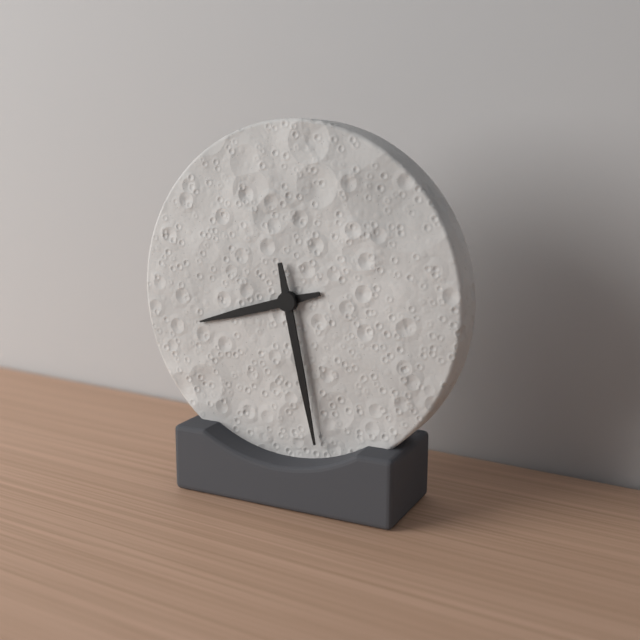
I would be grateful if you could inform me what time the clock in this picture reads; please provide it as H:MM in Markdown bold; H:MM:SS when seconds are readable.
**8:28**
